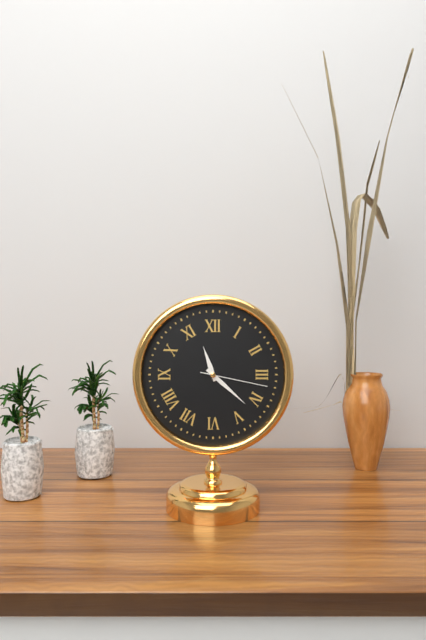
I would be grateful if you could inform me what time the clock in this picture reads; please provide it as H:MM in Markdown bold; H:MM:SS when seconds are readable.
**11:22:17**
